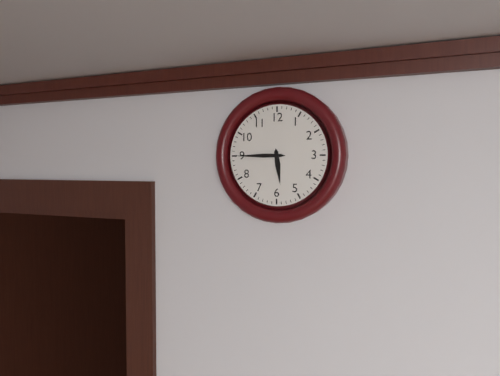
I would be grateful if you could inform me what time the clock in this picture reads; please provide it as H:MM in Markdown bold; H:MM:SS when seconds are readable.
**5:45**
